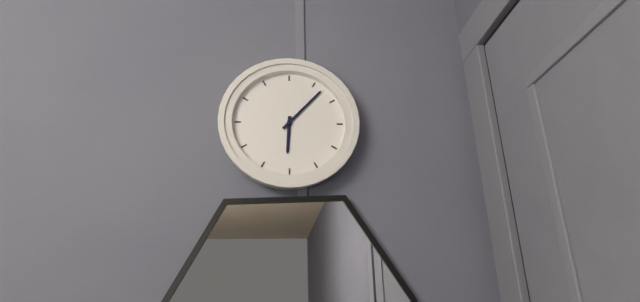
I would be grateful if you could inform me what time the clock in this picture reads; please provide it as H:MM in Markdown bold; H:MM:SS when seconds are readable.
**6:07**
